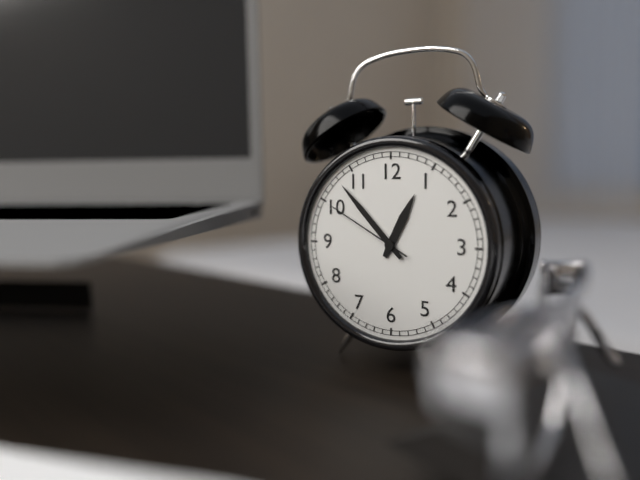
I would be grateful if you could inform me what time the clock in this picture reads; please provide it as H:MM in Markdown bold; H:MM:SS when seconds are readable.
**12:53:50**
